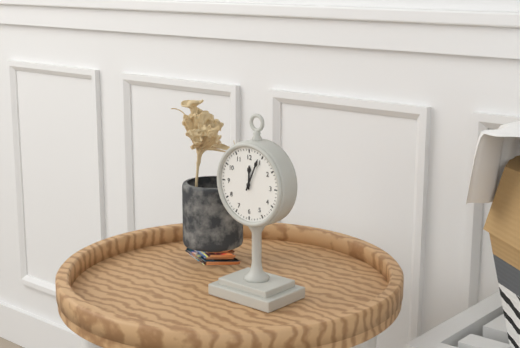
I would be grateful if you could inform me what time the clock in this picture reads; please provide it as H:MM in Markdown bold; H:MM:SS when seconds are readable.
**12:04**
